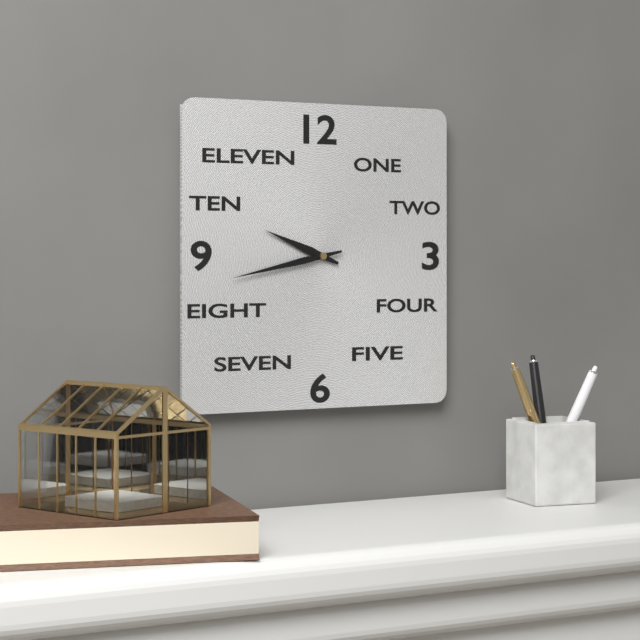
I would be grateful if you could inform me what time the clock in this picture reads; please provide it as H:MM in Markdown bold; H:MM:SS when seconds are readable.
**9:43**
